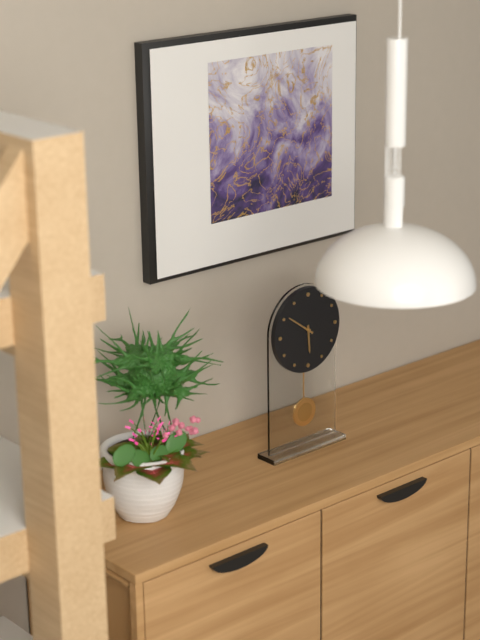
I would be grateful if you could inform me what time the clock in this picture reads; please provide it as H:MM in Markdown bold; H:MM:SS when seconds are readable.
**5:51**
